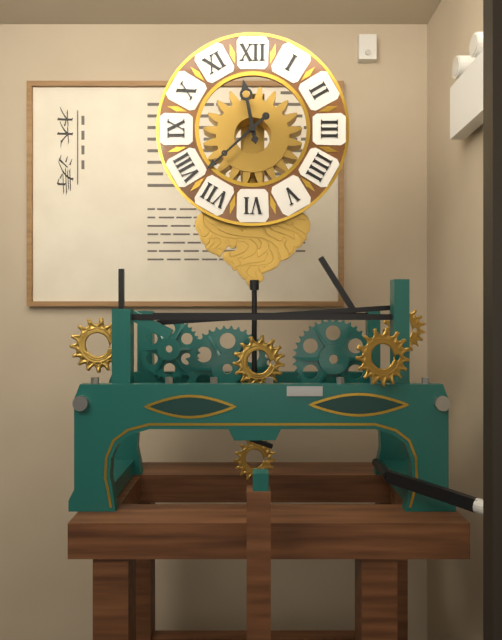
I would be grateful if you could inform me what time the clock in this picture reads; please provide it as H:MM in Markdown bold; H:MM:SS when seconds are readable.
**11:38**
